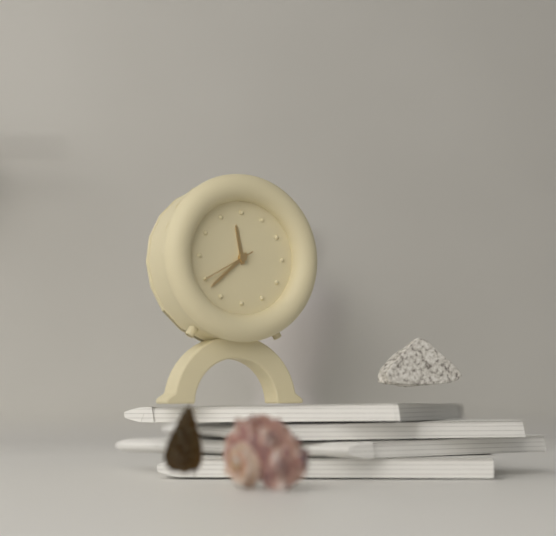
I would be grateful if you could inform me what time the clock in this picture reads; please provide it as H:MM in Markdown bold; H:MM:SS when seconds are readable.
**11:38:40**
